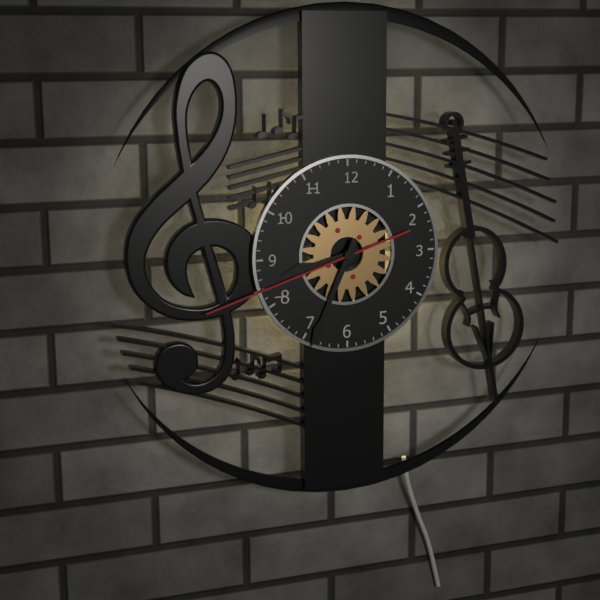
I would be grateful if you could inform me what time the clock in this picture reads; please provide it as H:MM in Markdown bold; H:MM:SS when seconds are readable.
**8:34:42**
